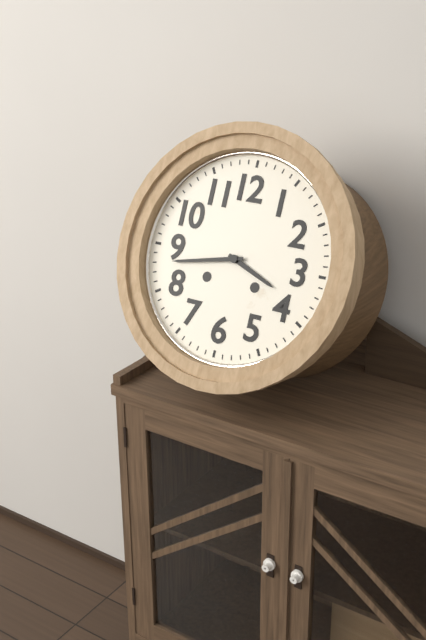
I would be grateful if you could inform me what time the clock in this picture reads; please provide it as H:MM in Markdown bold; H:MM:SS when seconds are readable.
**3:43**
